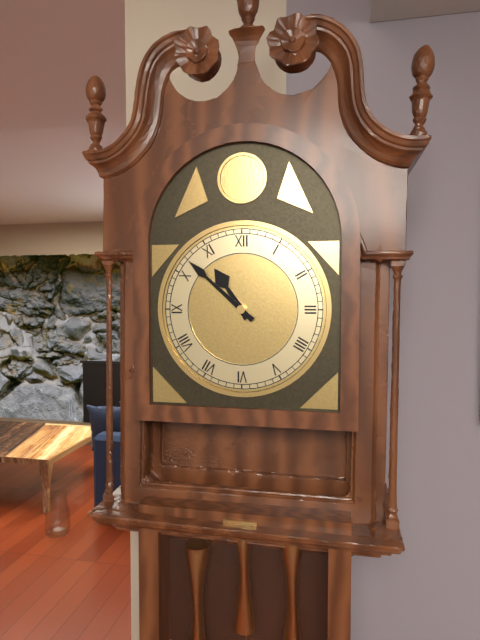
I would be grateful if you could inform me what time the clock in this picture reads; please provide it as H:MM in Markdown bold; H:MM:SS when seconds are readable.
**10:52**
